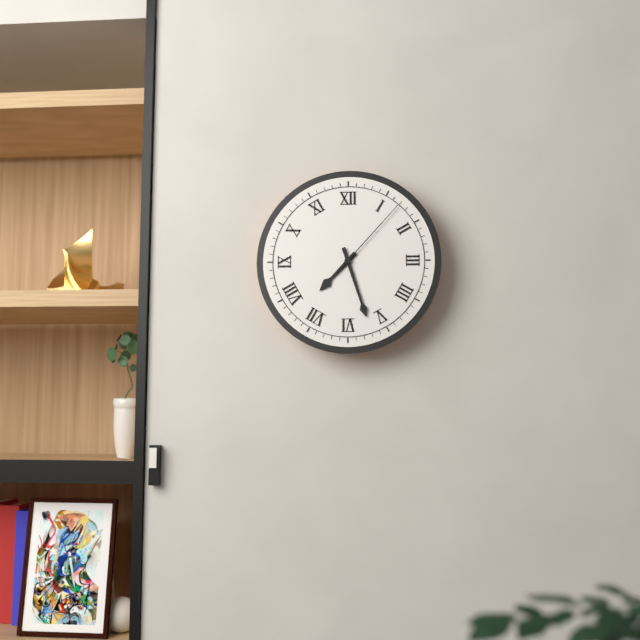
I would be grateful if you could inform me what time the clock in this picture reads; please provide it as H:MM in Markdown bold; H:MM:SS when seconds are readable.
**7:27:07**
